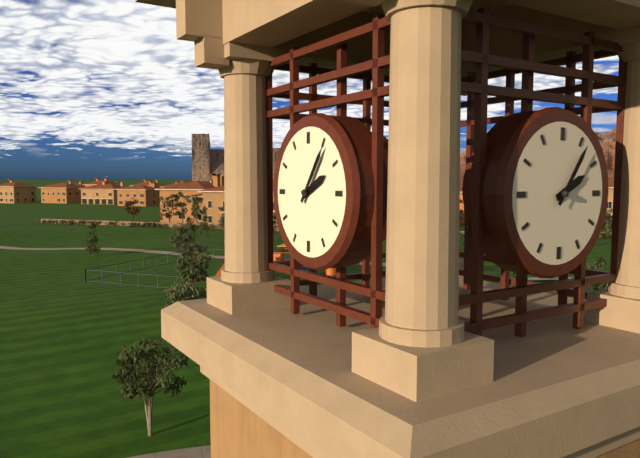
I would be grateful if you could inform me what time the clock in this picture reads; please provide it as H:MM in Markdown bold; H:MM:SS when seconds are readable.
**2:06**
